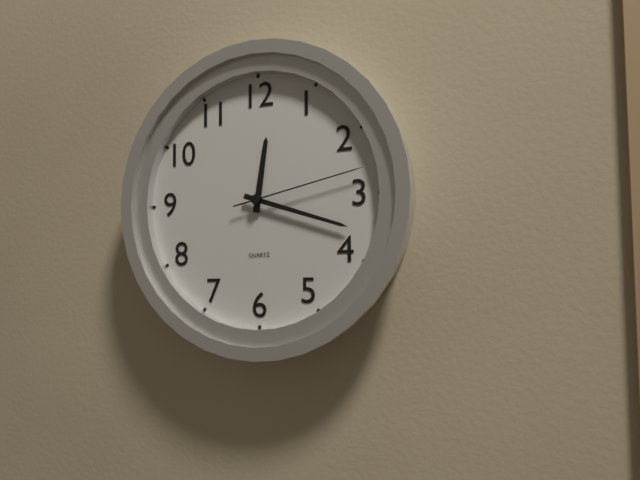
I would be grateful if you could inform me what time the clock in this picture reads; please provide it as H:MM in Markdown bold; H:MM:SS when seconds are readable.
**12:18:13**
